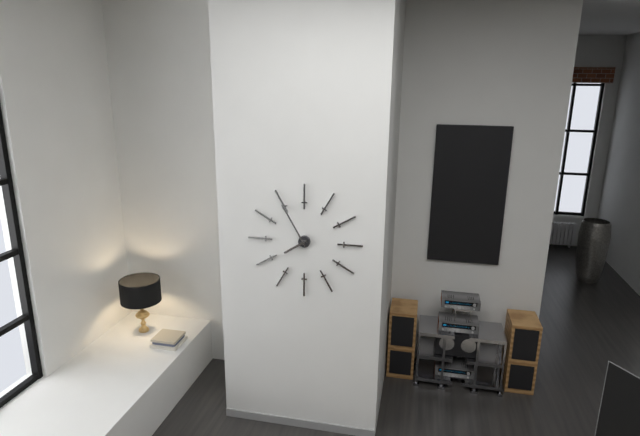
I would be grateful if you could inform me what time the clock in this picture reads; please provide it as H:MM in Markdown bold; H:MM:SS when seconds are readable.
**7:55**
